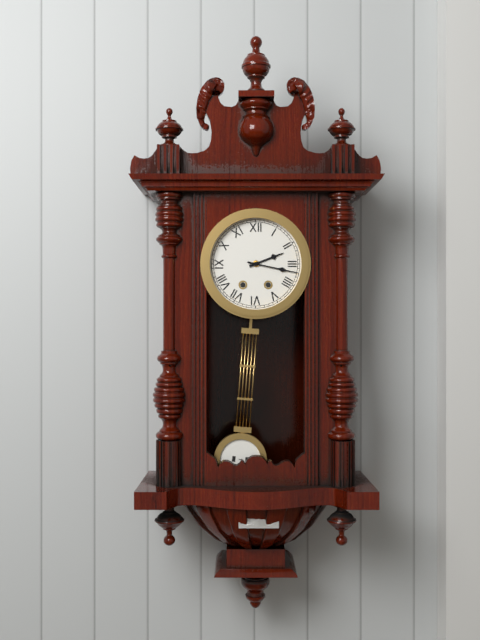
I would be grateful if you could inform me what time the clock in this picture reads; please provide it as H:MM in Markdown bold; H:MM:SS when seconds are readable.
**2:17**
